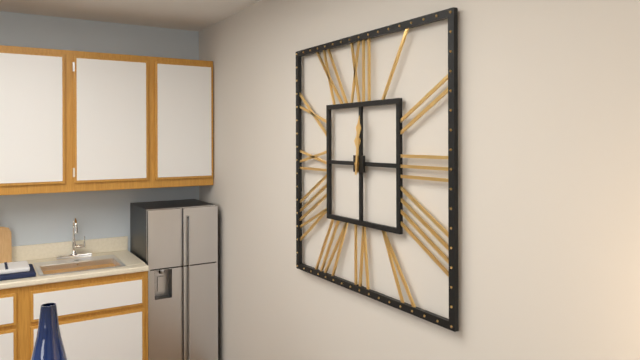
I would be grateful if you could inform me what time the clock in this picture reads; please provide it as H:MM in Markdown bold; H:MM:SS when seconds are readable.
**12:01**
